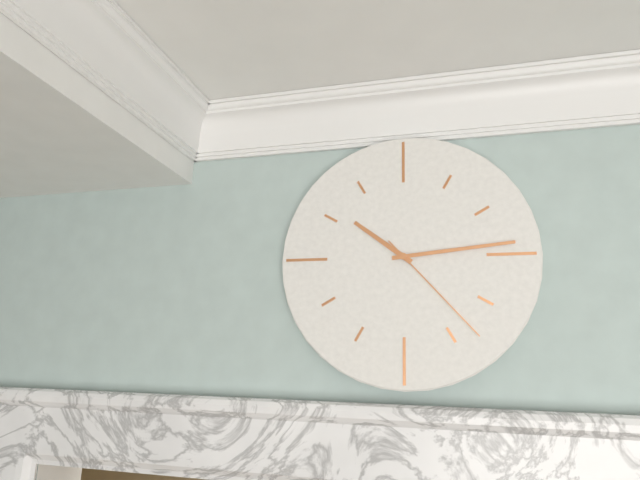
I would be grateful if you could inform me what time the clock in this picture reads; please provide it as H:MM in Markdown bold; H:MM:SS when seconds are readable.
**10:14:23**
